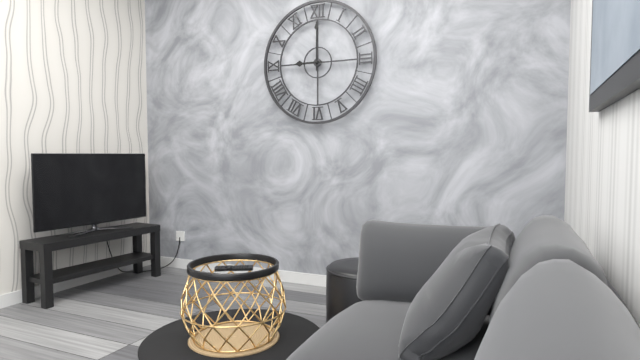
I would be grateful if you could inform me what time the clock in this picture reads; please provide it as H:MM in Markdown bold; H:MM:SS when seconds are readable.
**9:00**
